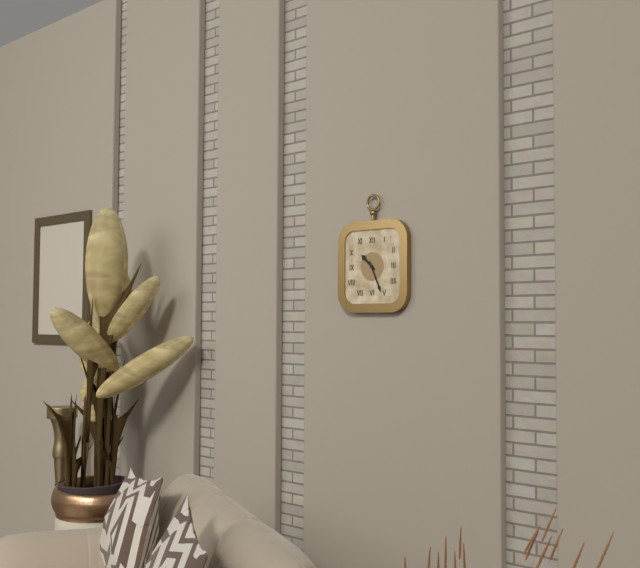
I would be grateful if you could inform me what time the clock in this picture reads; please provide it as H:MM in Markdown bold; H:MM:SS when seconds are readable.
**10:26**
